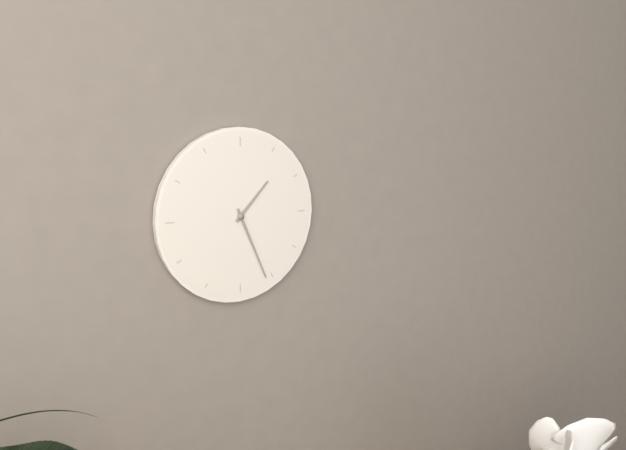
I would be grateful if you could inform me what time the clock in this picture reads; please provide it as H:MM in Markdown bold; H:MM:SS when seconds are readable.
**1:26**
